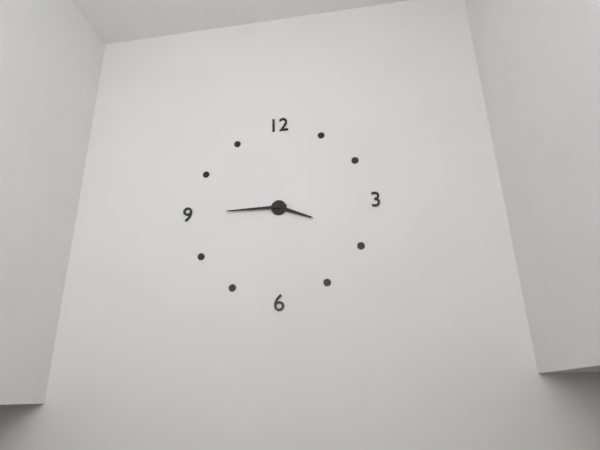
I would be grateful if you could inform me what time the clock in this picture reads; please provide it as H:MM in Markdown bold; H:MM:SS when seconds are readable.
**3:45**
